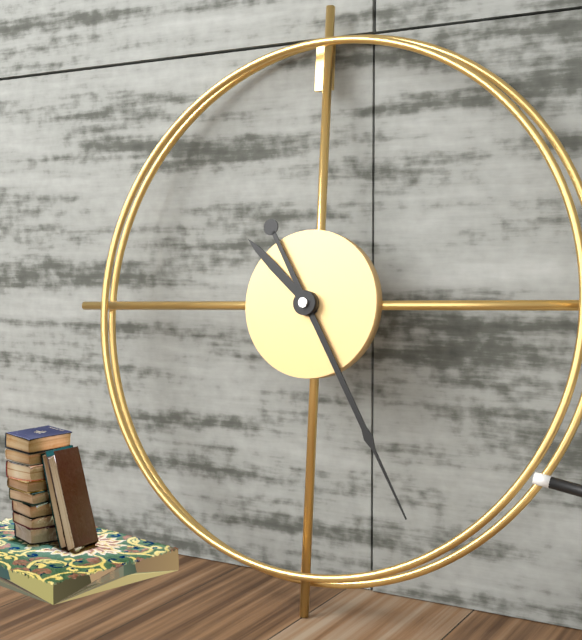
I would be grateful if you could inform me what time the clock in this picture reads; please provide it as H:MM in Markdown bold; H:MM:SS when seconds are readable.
**10:25**
